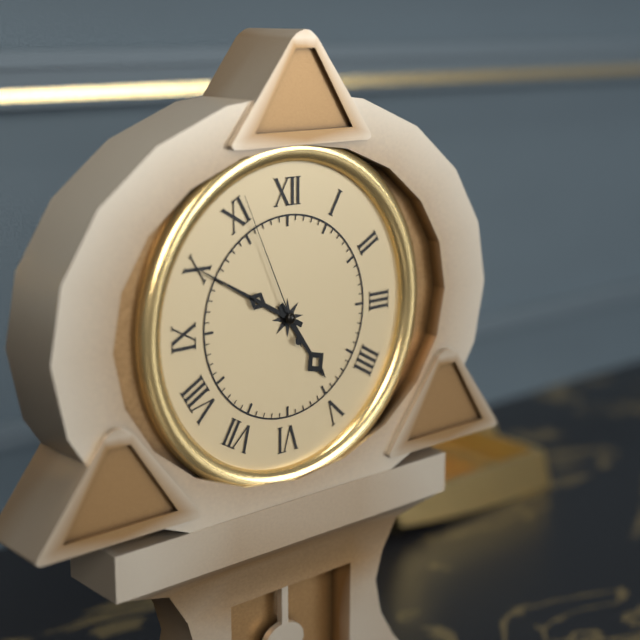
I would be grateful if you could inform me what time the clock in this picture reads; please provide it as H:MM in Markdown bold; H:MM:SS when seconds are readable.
**4:50:56**
